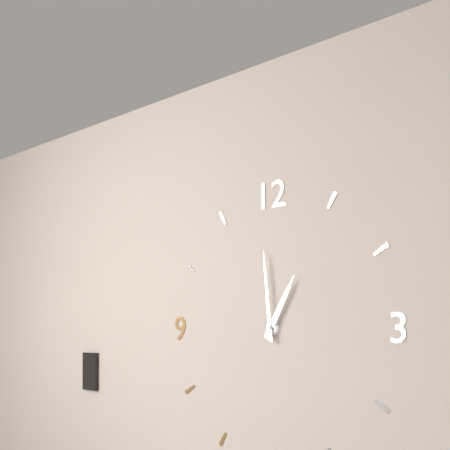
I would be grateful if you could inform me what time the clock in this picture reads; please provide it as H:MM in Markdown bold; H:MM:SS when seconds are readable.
**12:59**
